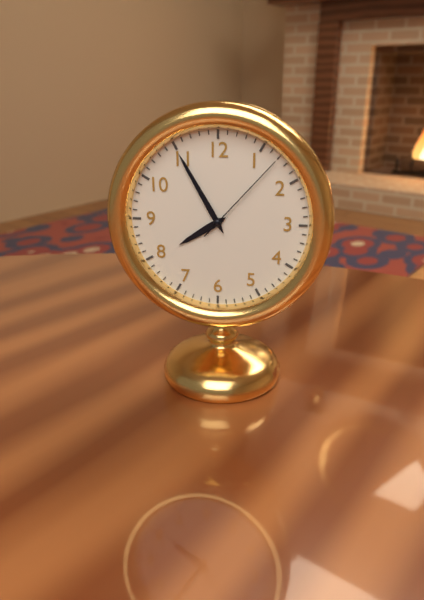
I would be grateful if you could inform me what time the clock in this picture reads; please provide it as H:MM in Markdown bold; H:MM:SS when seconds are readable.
**7:55:07**
